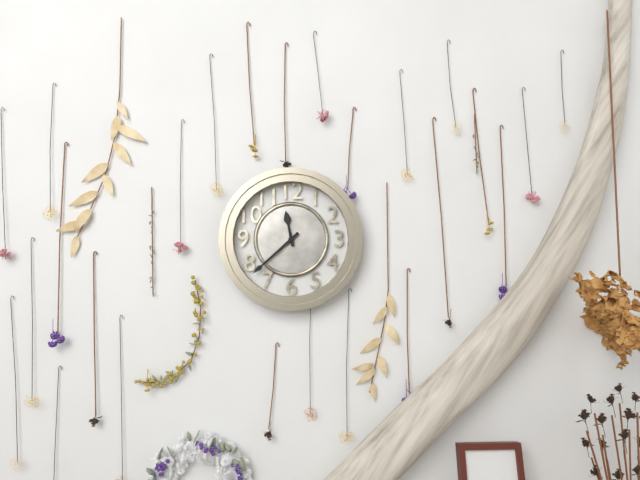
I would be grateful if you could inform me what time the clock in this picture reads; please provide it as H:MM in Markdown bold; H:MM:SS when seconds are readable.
**11:38**
